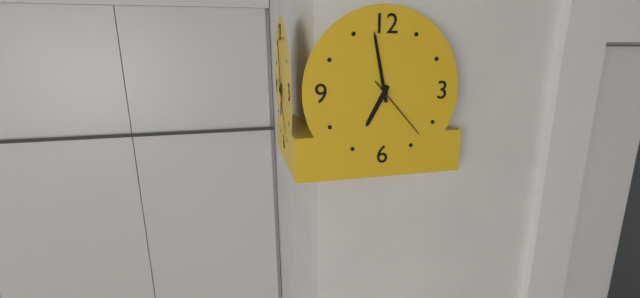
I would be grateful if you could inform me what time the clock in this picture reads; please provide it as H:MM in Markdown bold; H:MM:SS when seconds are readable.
**6:58:23**
